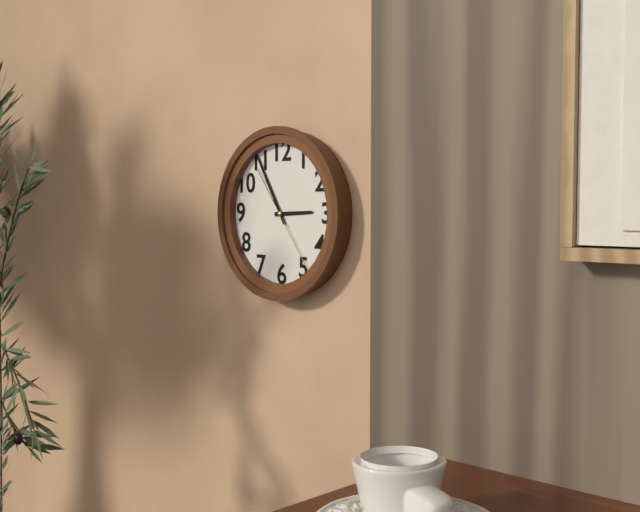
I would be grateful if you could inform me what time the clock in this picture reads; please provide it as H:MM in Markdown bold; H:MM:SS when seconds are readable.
**2:55:24**
